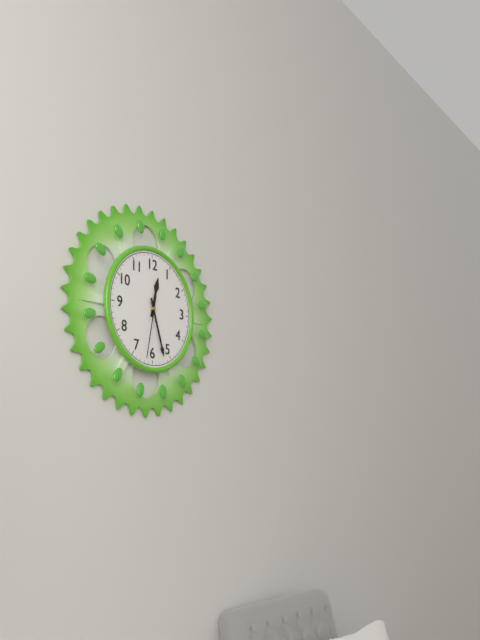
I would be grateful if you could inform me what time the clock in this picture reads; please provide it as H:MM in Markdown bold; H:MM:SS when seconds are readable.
**12:27:32**
